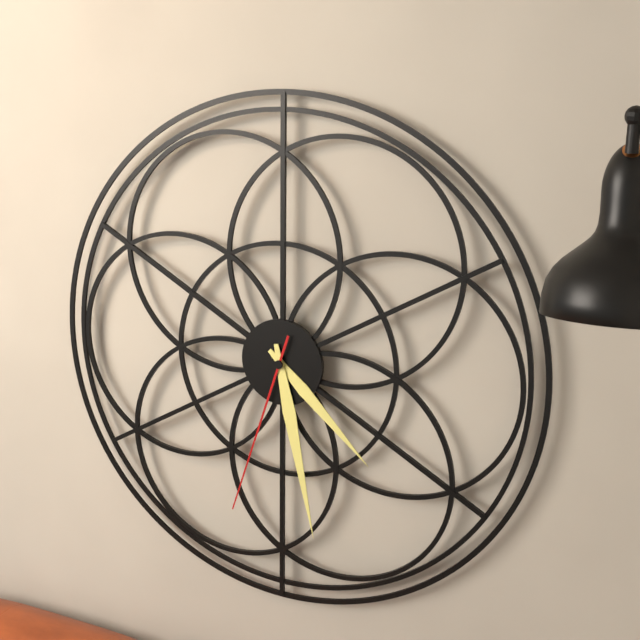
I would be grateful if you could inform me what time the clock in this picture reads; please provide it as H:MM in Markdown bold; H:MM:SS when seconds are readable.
**4:28:33**
